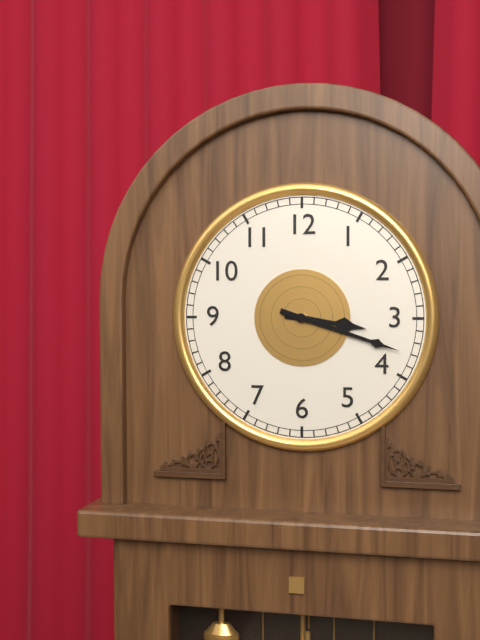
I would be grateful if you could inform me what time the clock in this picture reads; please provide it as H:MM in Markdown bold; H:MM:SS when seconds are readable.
**3:18**
